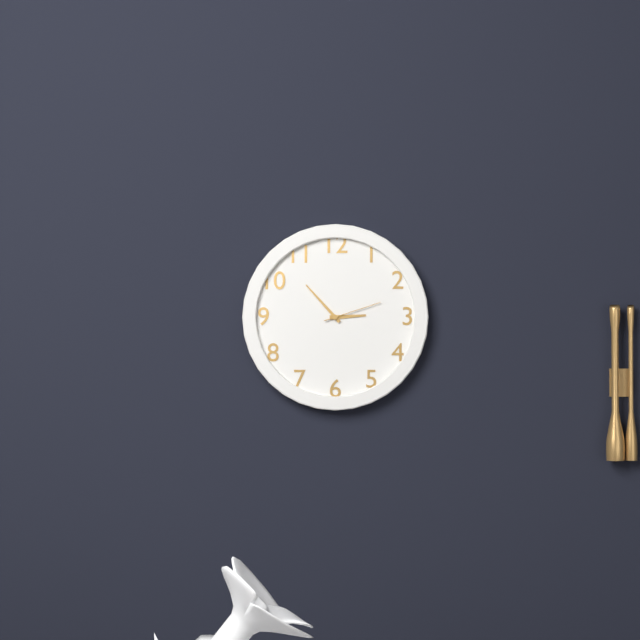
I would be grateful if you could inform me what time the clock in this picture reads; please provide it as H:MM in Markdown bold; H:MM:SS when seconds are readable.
**2:53:12**
